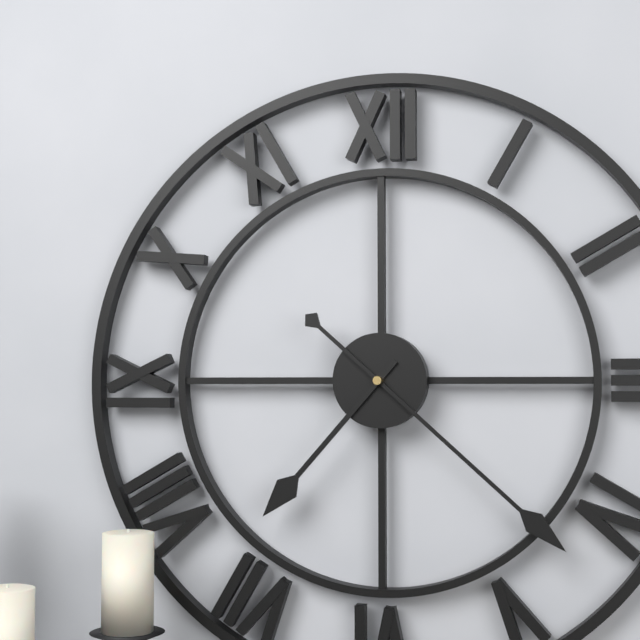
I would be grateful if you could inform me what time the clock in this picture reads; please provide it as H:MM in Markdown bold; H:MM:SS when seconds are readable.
**7:22**
